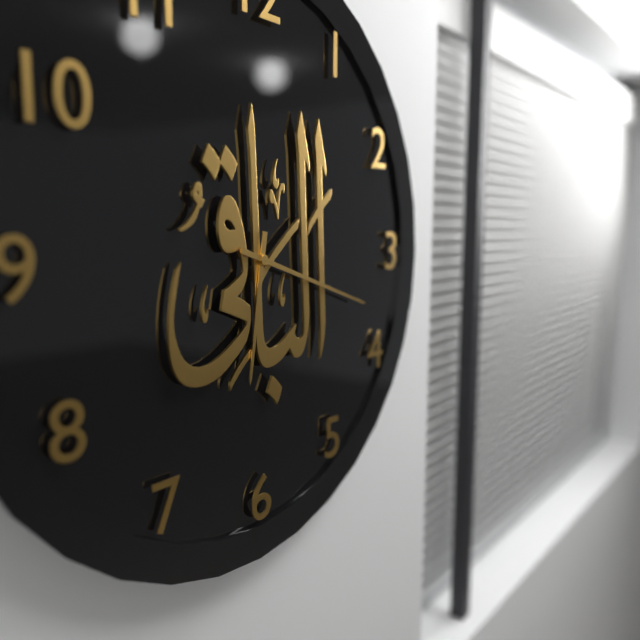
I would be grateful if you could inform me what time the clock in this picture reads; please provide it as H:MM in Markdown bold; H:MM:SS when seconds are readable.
**6:18**
